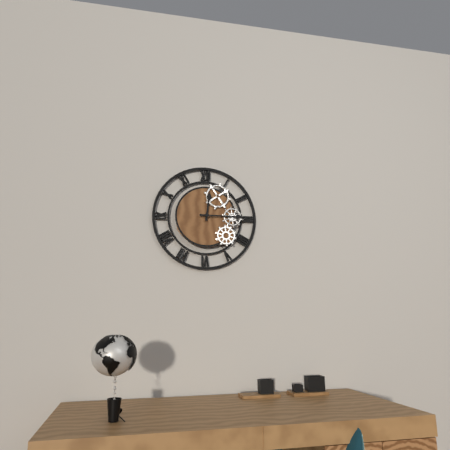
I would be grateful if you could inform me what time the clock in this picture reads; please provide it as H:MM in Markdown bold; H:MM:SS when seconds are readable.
**12:15**
